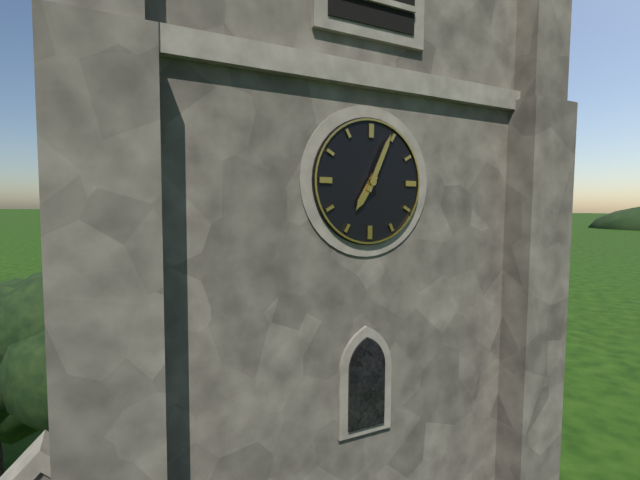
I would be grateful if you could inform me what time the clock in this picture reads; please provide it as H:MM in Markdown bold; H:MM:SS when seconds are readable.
**7:04**
